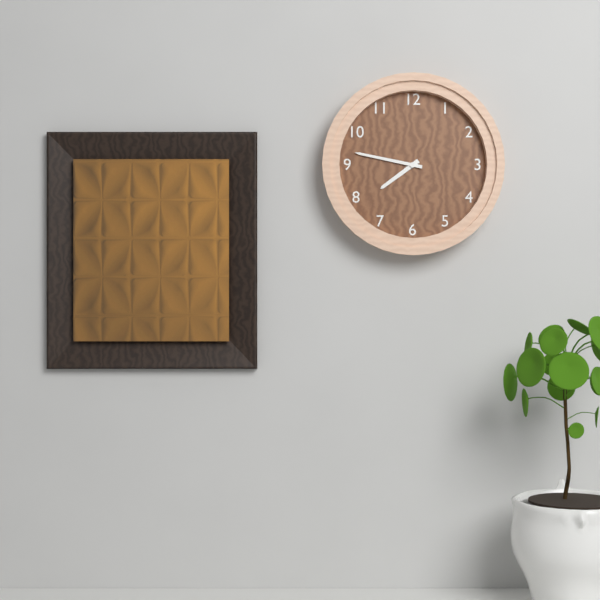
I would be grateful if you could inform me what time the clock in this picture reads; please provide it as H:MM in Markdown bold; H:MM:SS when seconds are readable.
**7:47**
